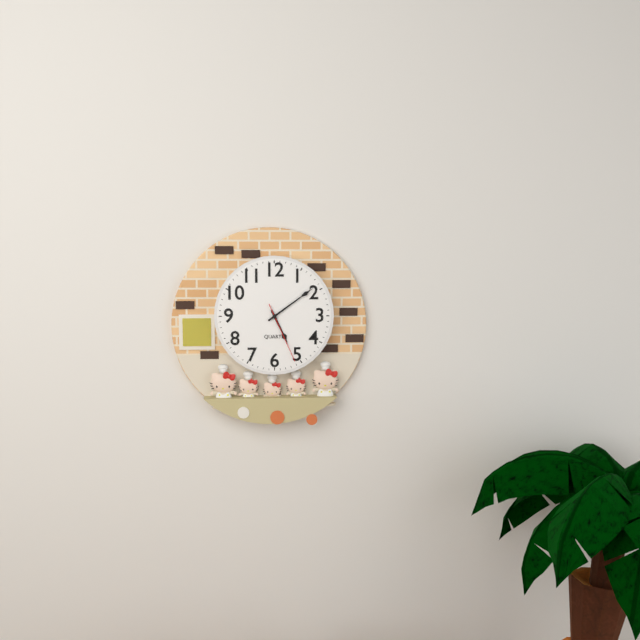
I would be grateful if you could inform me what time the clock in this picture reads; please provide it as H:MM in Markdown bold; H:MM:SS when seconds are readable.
**5:09:26**
